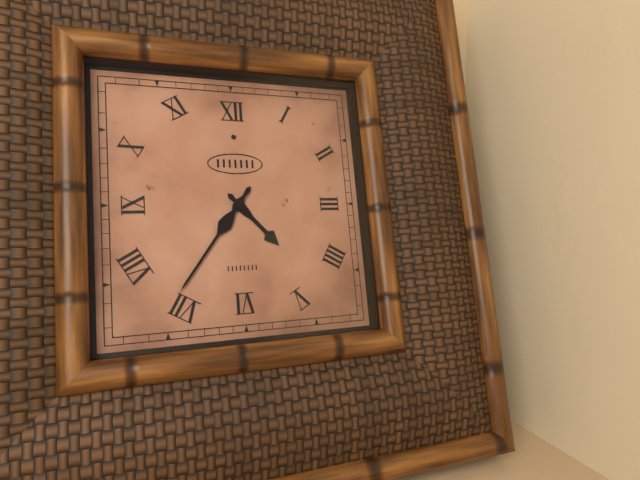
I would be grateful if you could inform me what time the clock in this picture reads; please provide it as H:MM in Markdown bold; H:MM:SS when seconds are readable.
**4:36**
